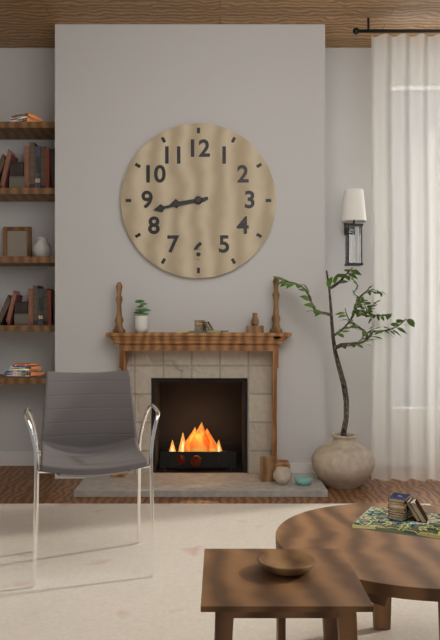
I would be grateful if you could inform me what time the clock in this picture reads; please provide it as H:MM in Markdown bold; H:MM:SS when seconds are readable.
**8:43**
